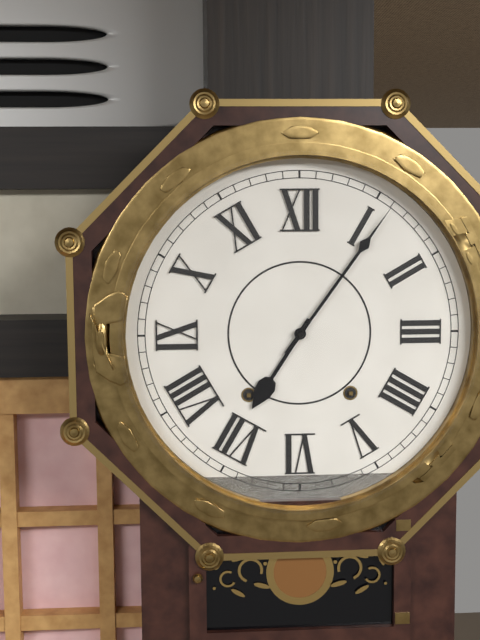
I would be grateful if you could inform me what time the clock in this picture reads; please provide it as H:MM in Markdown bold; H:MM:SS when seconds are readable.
**7:06**
